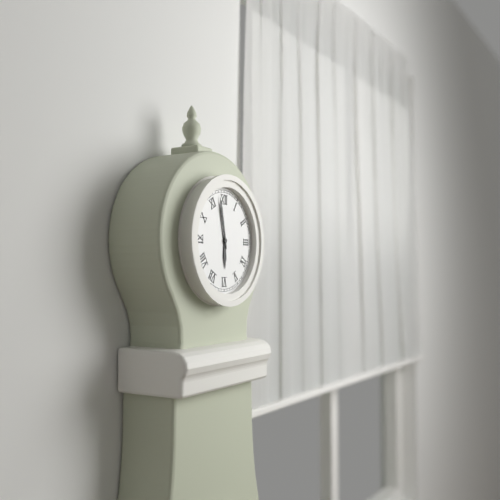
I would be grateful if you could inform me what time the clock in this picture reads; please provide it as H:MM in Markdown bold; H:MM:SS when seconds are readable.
**5:58**
